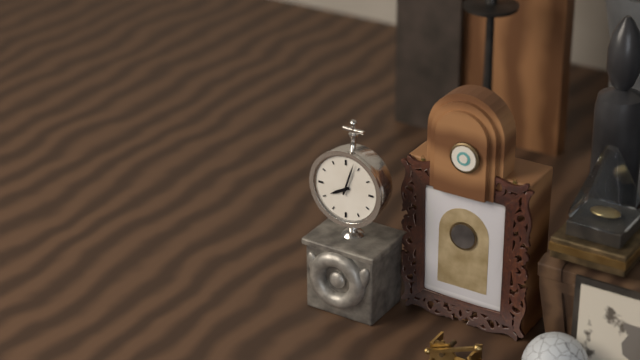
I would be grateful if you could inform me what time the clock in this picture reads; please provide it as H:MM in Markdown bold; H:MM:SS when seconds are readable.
**8:03**
